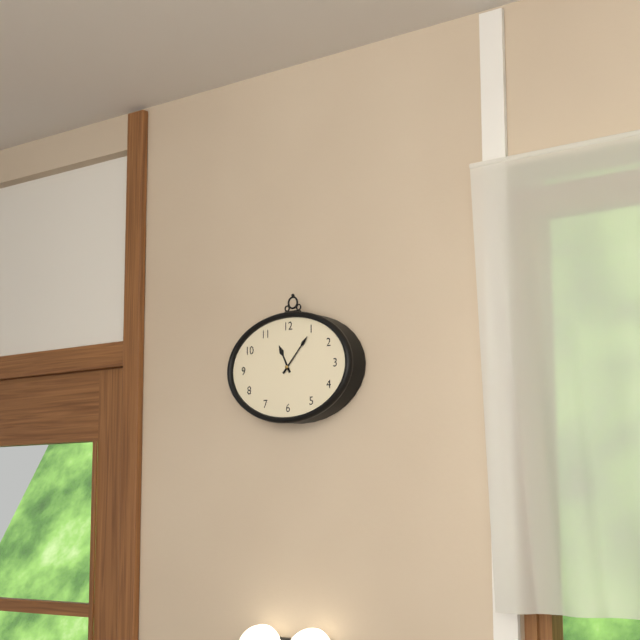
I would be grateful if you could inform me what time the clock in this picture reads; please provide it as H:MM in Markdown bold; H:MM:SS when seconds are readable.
**11:07**
